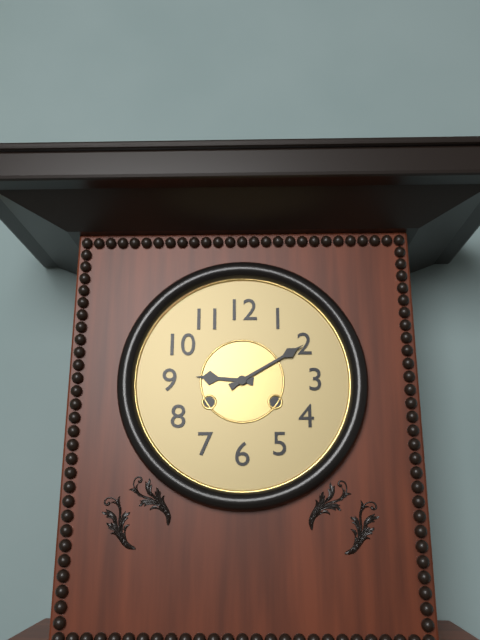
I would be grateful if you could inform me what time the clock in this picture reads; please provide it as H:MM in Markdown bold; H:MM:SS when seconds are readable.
**9:10**
